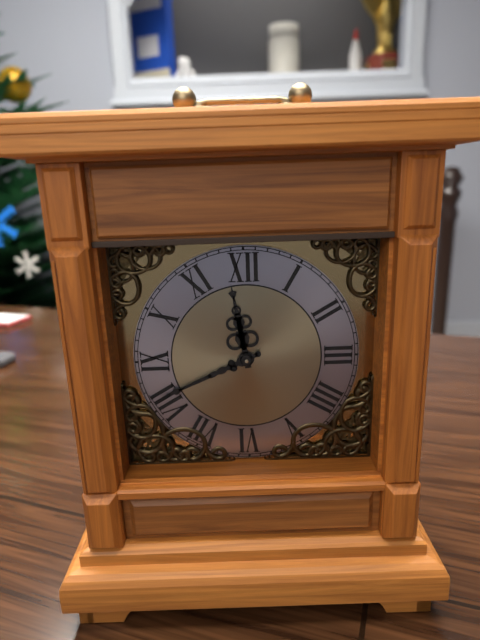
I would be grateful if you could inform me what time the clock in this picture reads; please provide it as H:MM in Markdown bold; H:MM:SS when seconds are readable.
**11:41**
